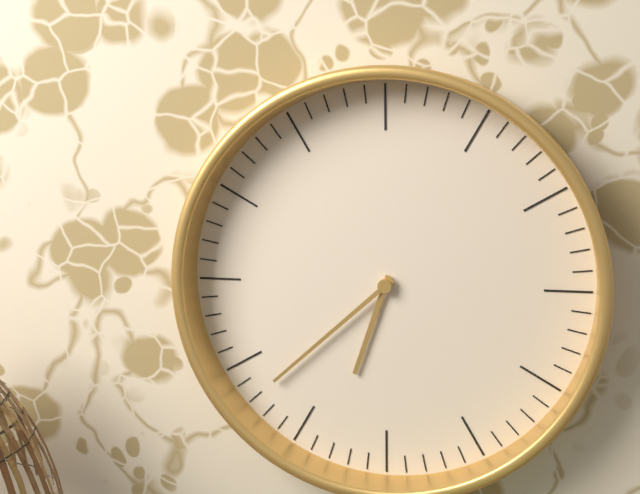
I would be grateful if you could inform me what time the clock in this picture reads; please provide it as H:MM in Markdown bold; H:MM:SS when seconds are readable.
**6:38**
